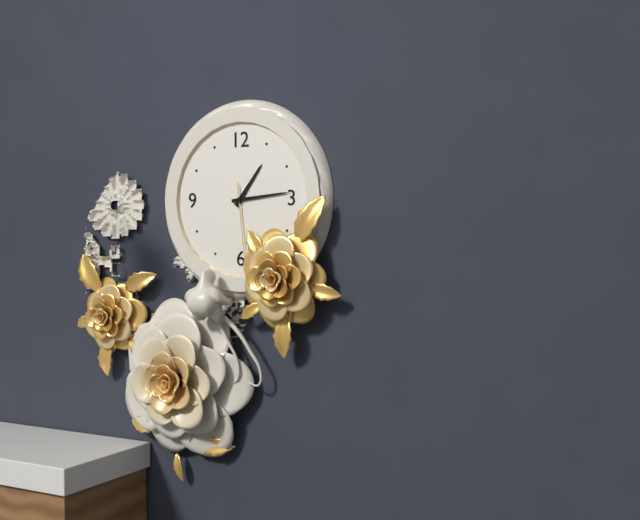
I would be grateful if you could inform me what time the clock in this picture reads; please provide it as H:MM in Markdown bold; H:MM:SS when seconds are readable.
**1:14:29**
